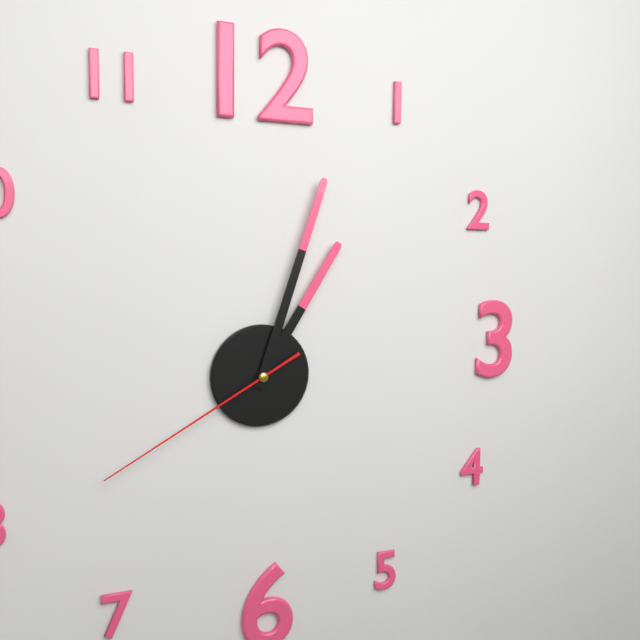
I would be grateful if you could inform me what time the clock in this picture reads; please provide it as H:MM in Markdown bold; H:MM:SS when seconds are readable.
**1:03:40**
